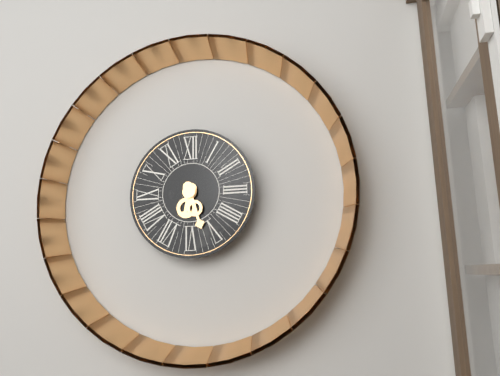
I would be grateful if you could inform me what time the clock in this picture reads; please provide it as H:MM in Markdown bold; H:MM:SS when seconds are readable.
**6:27**
